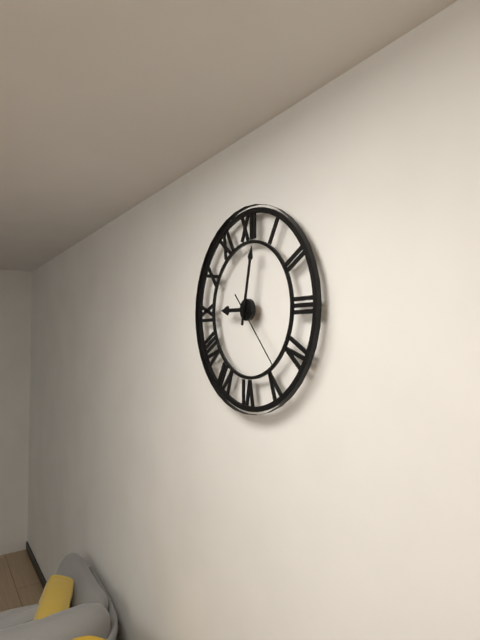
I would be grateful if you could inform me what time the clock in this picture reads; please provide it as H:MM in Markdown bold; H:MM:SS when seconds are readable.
**9:02:23**
